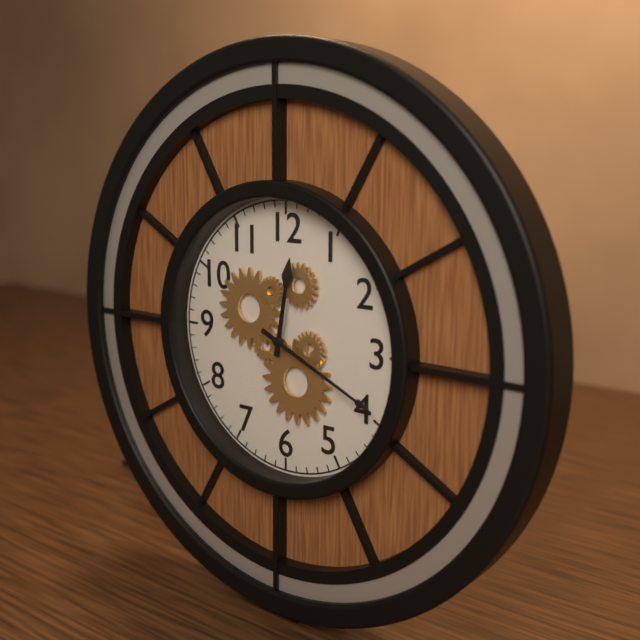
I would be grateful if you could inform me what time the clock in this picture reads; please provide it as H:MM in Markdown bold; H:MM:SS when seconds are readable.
**12:19**
